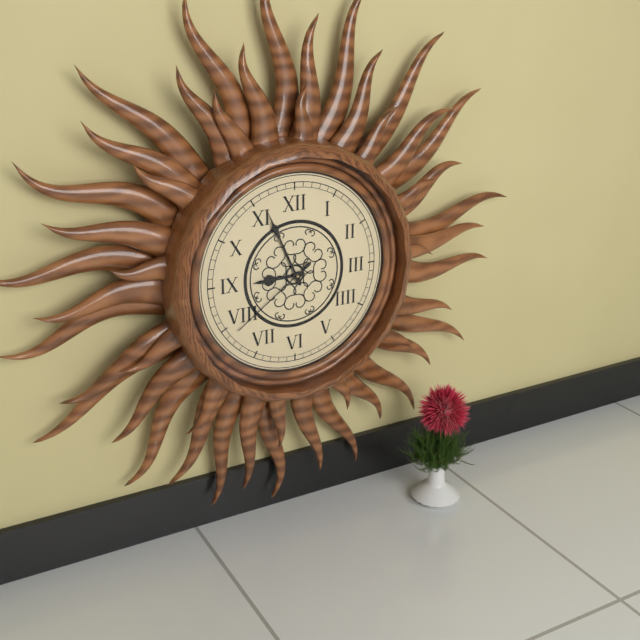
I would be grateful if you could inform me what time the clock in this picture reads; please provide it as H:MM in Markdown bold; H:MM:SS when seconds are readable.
**8:56:39**
